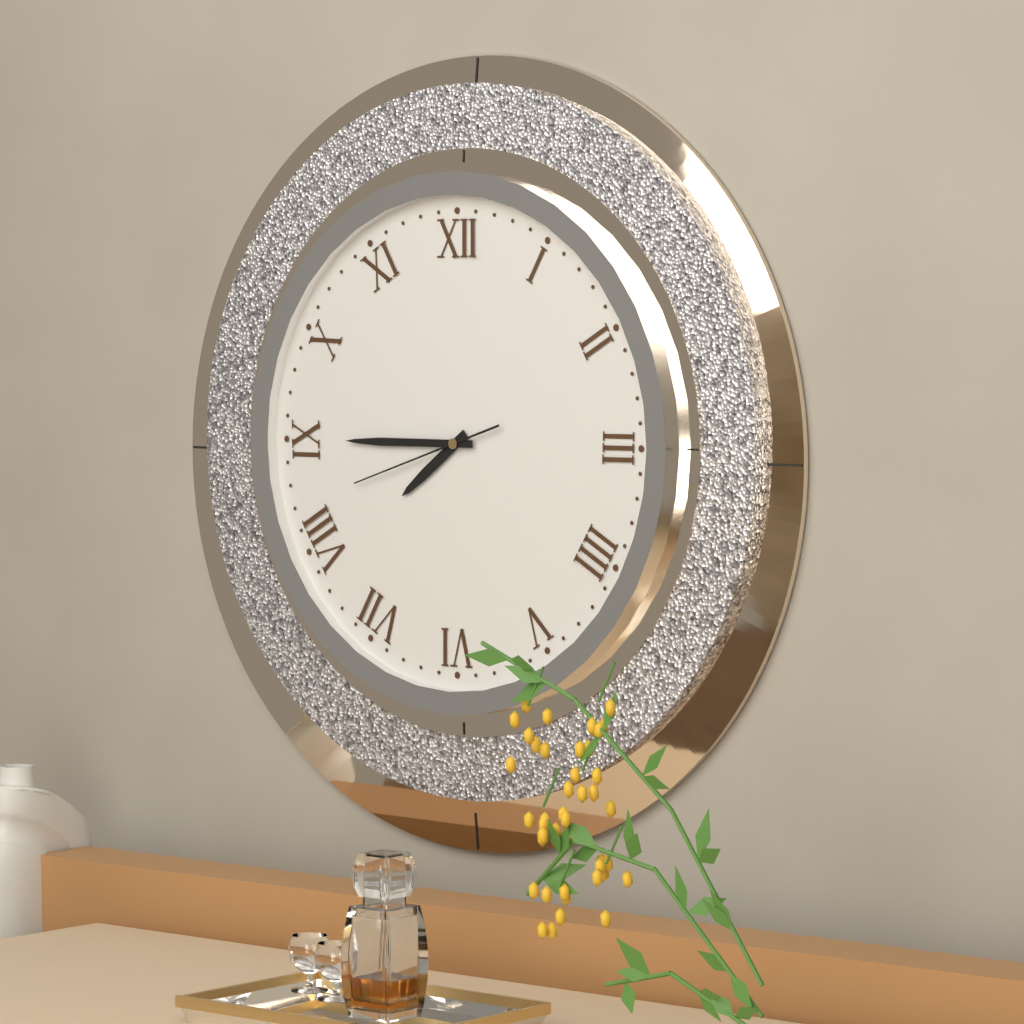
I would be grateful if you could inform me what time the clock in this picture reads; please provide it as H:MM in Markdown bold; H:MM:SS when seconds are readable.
**7:45:42**
